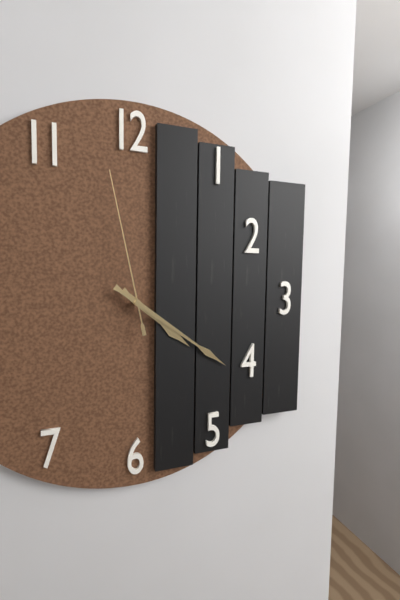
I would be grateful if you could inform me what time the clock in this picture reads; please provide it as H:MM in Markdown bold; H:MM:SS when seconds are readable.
**4:21:58**
